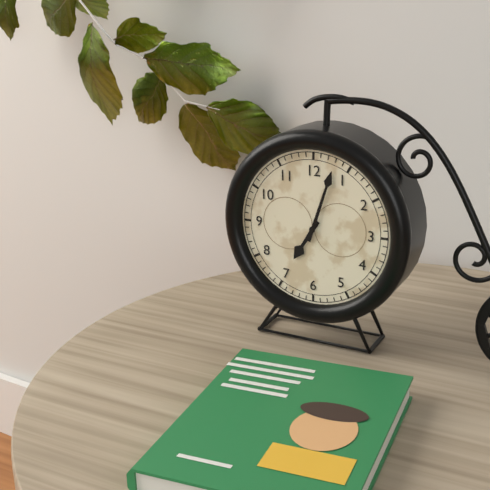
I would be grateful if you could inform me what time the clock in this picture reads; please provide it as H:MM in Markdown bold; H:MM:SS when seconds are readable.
**7:03**
